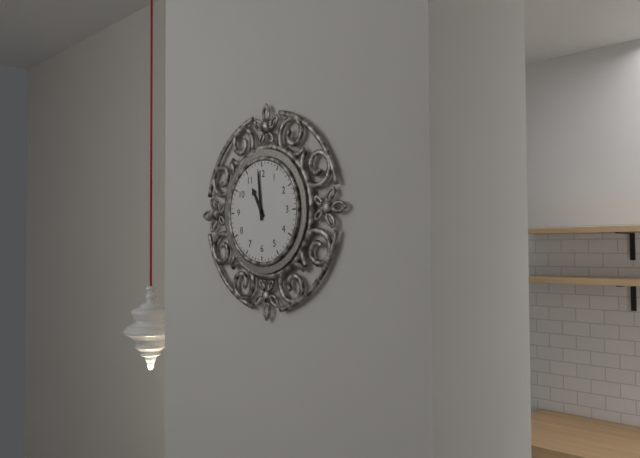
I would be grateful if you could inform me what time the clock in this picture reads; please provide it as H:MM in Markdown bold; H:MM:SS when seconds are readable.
**10:59**
